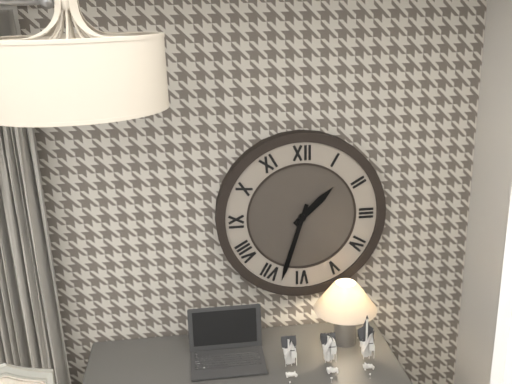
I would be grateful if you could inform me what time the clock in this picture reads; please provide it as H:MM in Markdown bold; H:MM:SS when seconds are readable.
**1:33**
